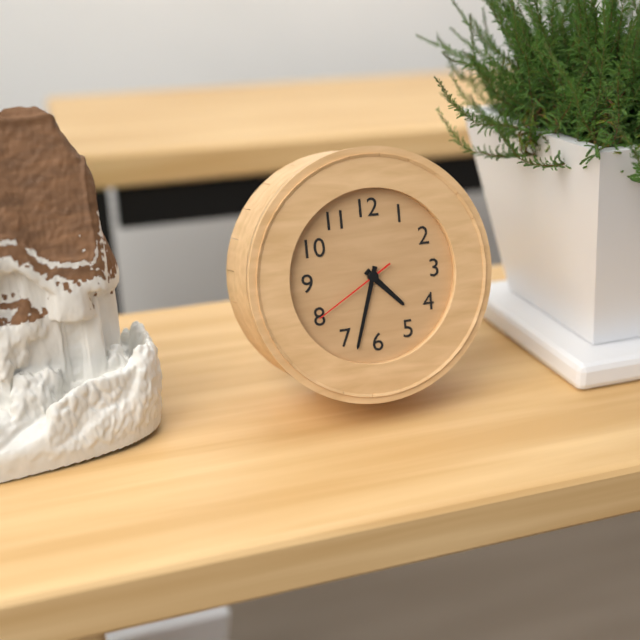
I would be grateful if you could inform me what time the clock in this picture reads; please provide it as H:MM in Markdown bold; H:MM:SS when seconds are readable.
**4:33:40**
